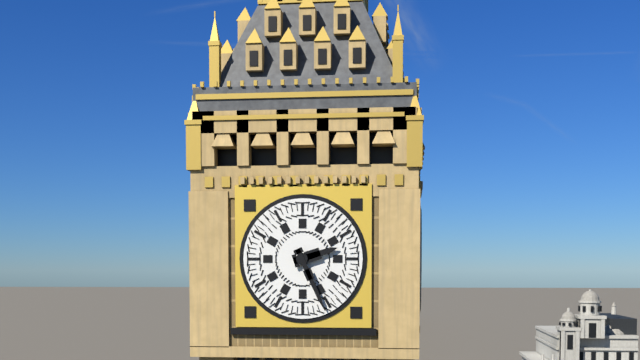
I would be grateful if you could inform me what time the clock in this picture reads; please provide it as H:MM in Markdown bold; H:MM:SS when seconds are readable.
**2:26**
